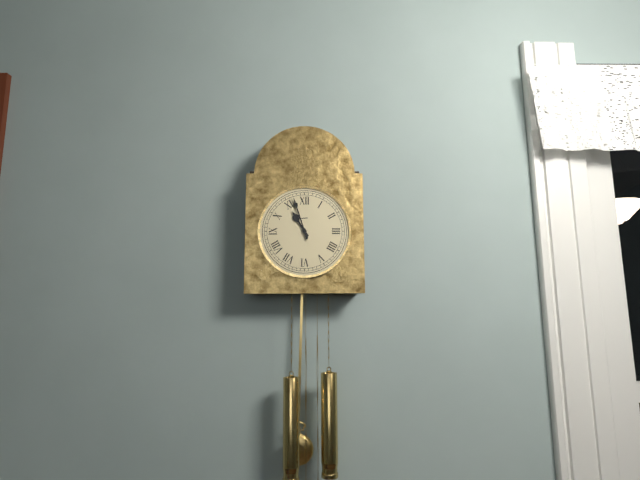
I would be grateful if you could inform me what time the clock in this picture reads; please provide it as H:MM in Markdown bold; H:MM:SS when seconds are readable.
**10:57**
